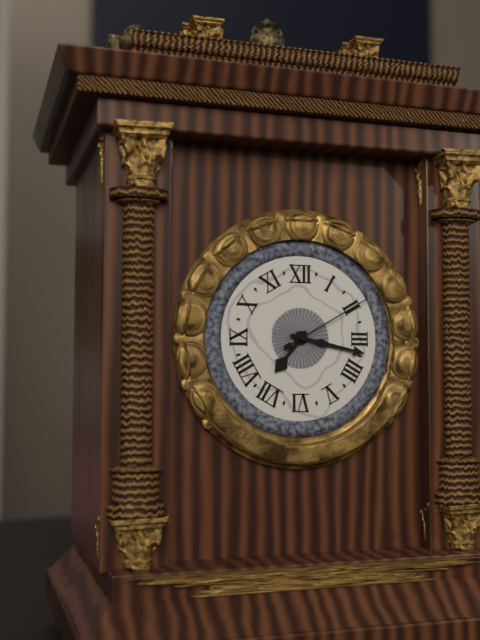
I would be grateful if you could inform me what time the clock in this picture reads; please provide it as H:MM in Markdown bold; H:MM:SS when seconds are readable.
**7:17:10**
